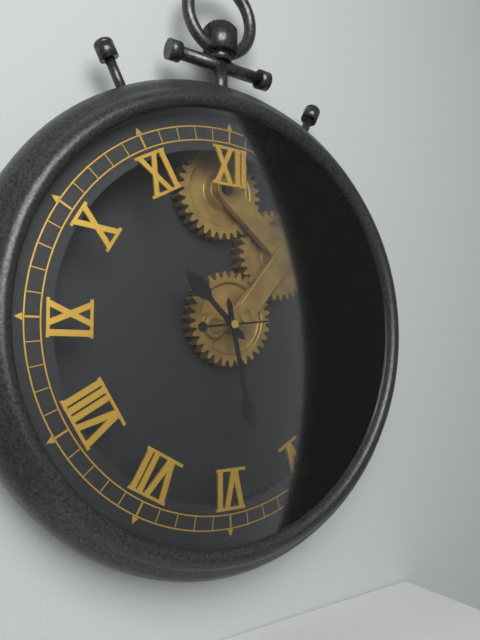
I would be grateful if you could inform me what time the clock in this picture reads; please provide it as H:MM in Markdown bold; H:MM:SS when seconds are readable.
**10:28:14**
